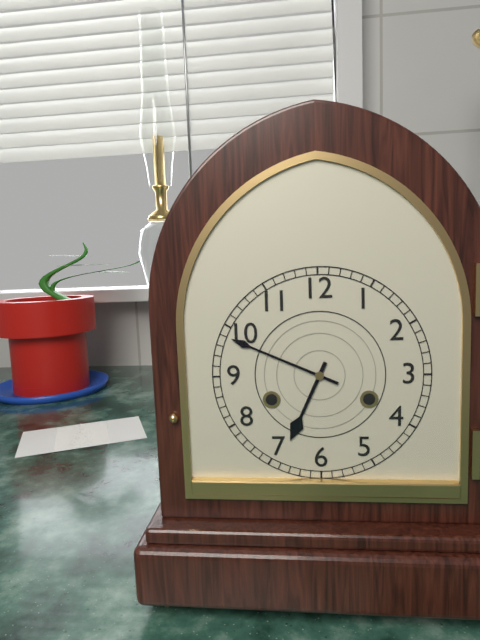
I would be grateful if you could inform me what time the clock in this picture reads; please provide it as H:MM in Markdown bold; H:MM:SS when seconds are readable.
**6:49**
